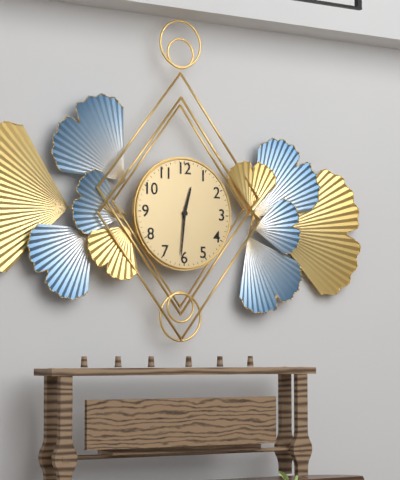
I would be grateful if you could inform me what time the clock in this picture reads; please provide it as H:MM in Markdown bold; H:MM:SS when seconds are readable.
**12:31**
